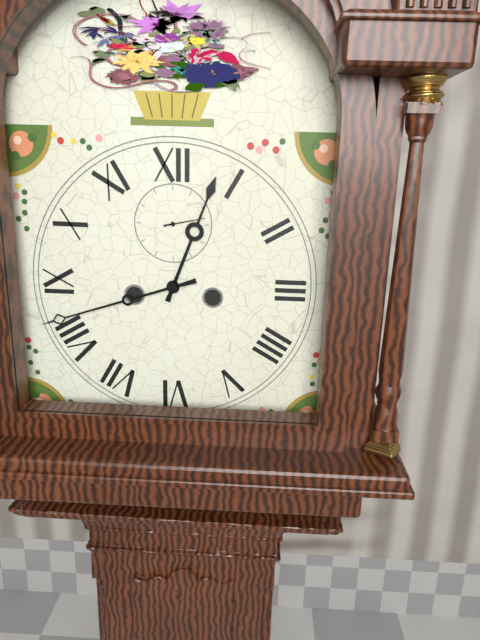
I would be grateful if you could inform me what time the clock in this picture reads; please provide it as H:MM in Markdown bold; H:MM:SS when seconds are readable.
**12:42**
